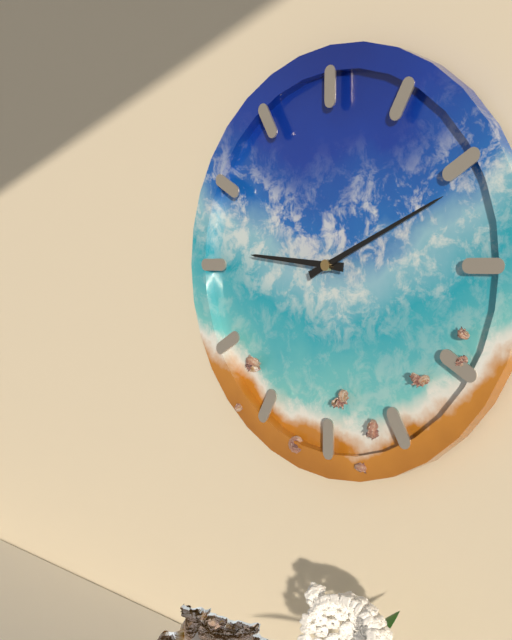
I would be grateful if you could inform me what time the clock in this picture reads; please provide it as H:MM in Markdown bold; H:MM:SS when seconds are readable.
**9:11**
